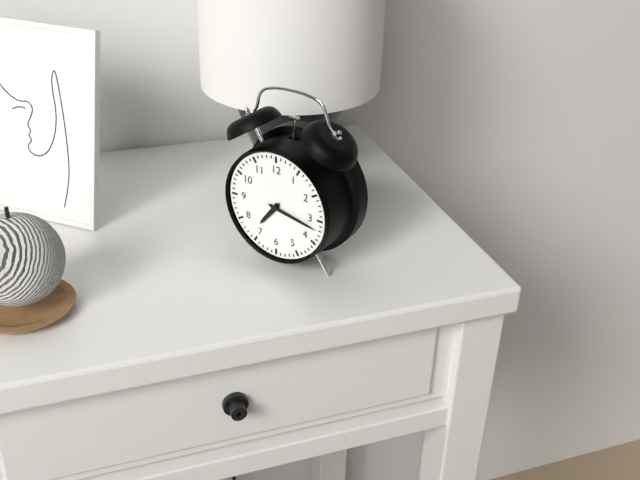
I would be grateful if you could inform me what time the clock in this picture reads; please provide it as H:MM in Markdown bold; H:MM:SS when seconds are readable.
**7:17**
